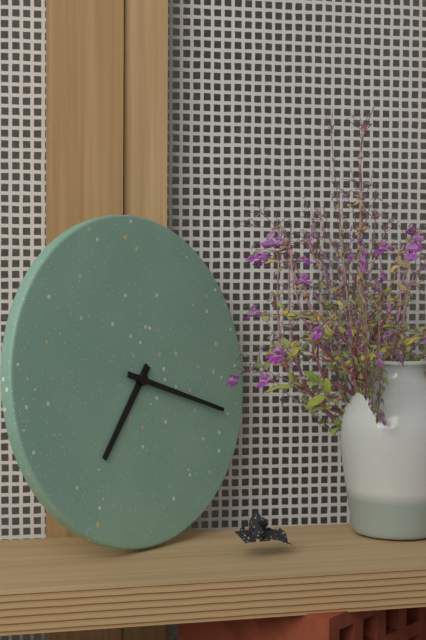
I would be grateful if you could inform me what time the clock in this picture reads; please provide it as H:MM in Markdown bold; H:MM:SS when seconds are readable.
**7:18**
